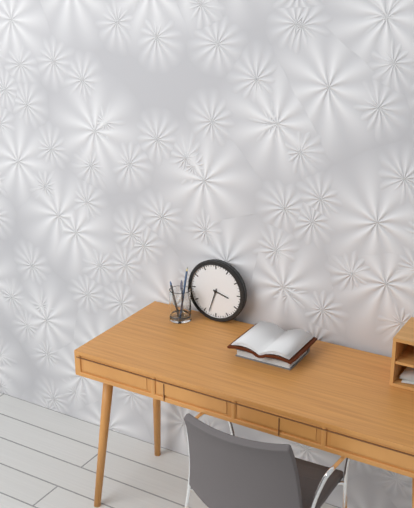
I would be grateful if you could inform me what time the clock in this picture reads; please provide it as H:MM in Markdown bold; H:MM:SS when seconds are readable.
**3:33**
